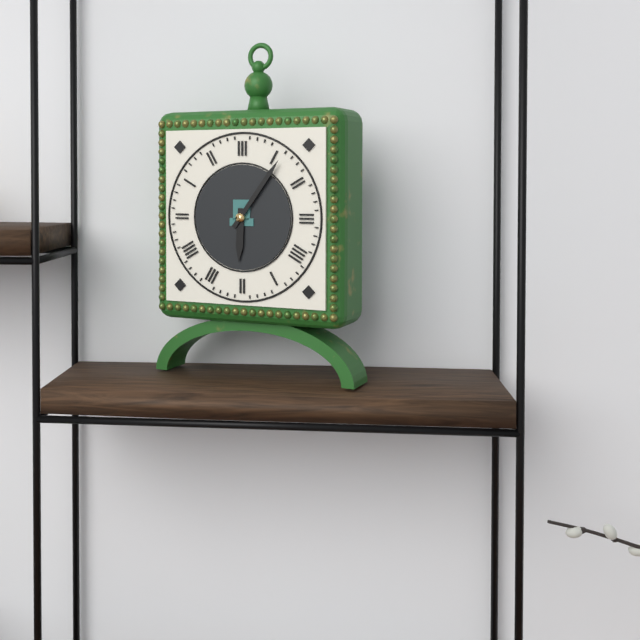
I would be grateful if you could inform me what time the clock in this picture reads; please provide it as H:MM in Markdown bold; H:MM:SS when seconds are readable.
**6:06**
